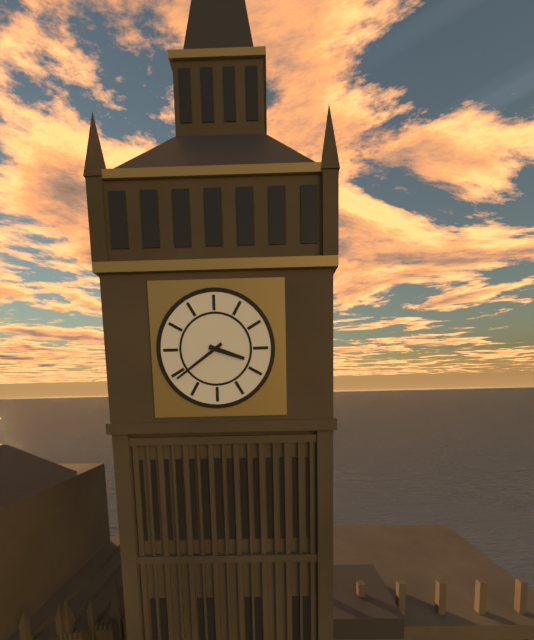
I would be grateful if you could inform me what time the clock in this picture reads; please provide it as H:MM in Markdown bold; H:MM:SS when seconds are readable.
**3:39**
